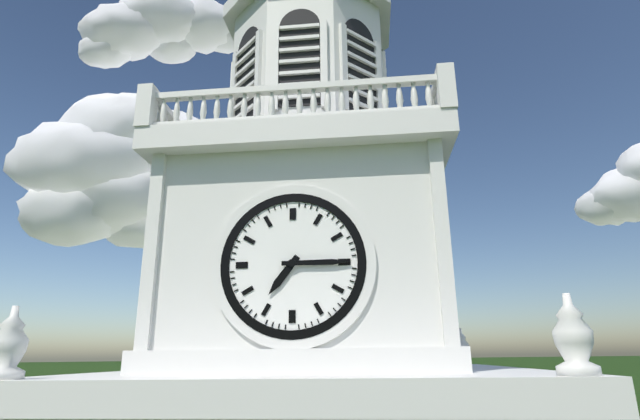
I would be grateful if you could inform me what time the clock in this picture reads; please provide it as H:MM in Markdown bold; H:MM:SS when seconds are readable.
**7:15**
